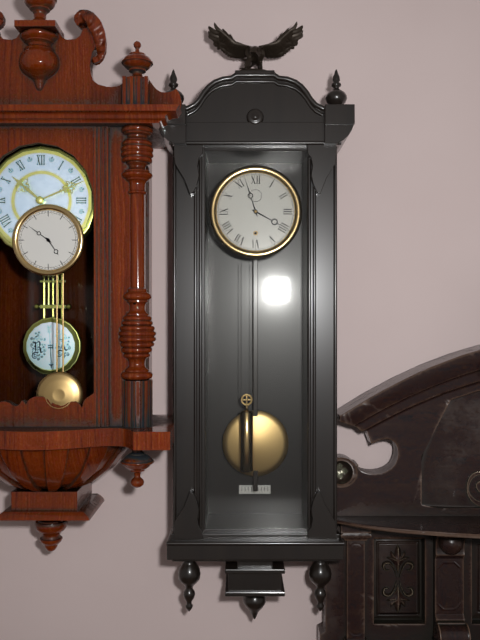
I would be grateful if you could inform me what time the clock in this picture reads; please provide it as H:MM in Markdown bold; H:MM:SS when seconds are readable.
**3:57**
